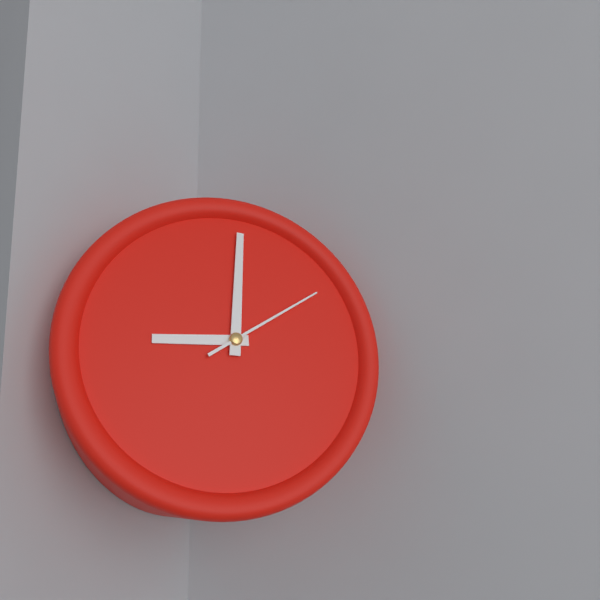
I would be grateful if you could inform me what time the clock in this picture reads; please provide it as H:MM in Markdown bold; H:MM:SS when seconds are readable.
**9:01:10**
